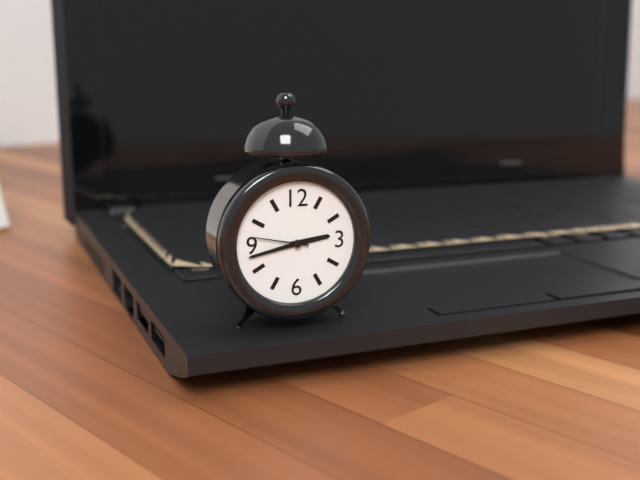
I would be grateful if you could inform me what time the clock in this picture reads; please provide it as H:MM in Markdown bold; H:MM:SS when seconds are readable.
**2:43:47**
